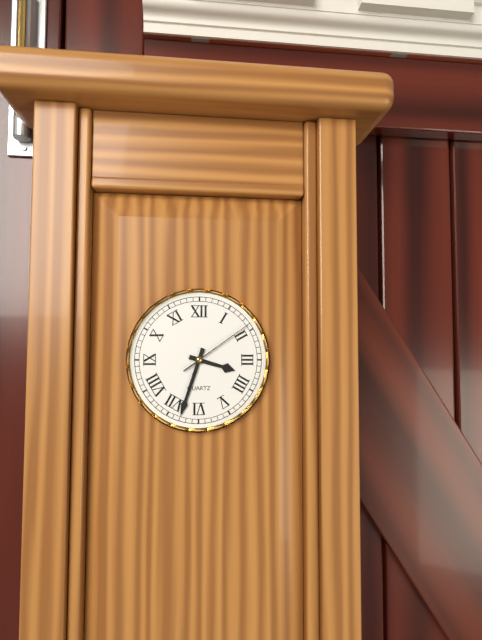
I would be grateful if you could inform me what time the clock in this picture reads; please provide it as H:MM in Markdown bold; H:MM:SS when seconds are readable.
**3:33:09**
